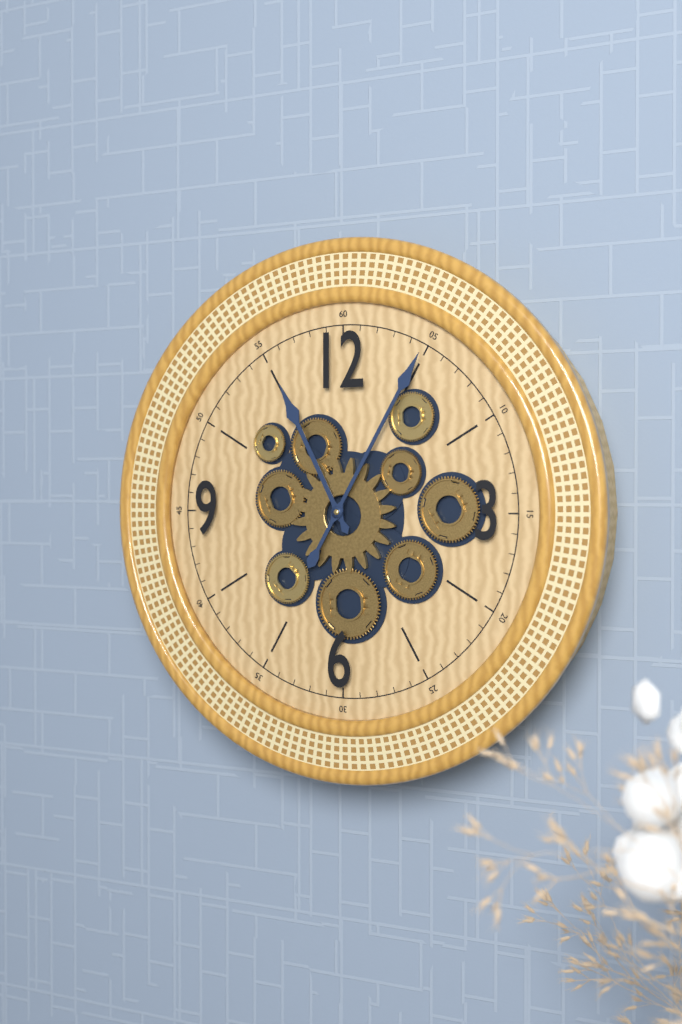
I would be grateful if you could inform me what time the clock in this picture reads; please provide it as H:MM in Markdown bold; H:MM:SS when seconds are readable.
**11:05**
